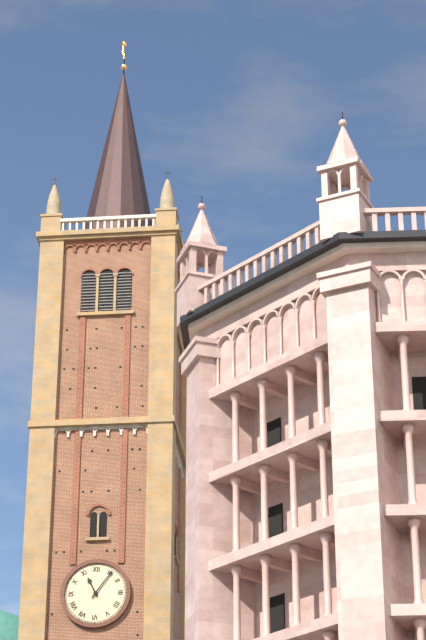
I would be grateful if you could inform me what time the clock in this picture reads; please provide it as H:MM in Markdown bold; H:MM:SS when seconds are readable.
**11:06**
